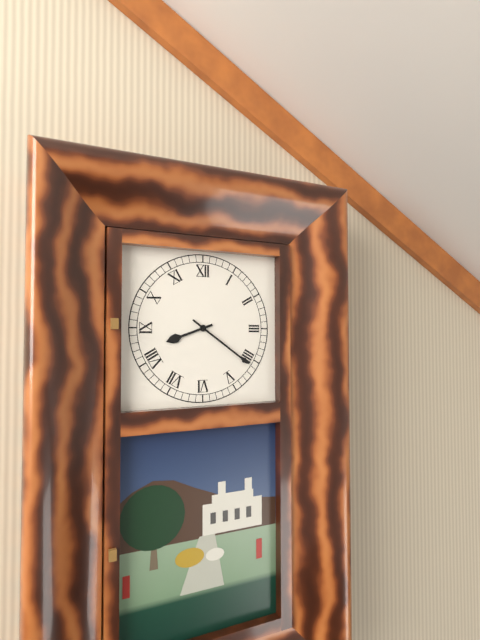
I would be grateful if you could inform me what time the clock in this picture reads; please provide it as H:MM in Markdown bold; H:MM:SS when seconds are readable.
**8:21**
